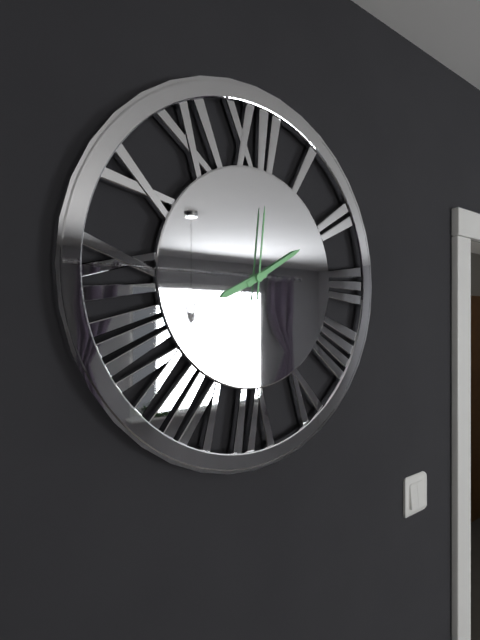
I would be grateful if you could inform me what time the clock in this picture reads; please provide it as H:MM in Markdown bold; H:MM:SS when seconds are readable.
**8:10:01**
